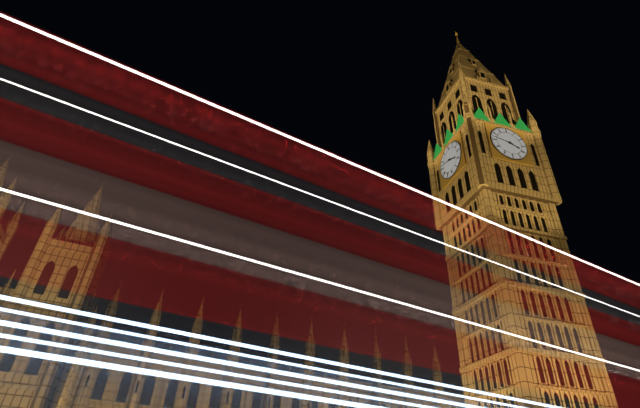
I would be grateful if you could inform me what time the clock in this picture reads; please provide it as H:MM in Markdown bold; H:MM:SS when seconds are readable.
**3:47**
